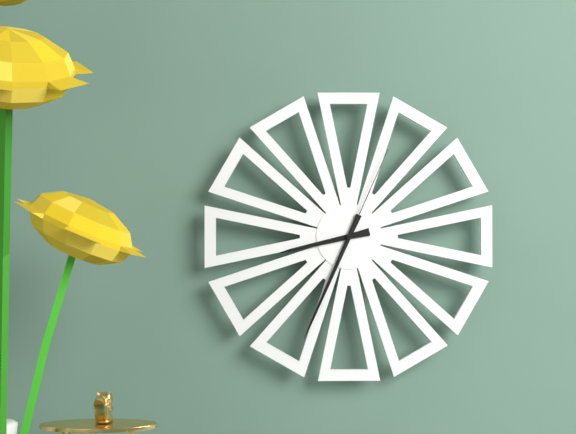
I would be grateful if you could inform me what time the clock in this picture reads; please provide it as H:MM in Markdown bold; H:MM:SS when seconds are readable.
**8:34:04**
